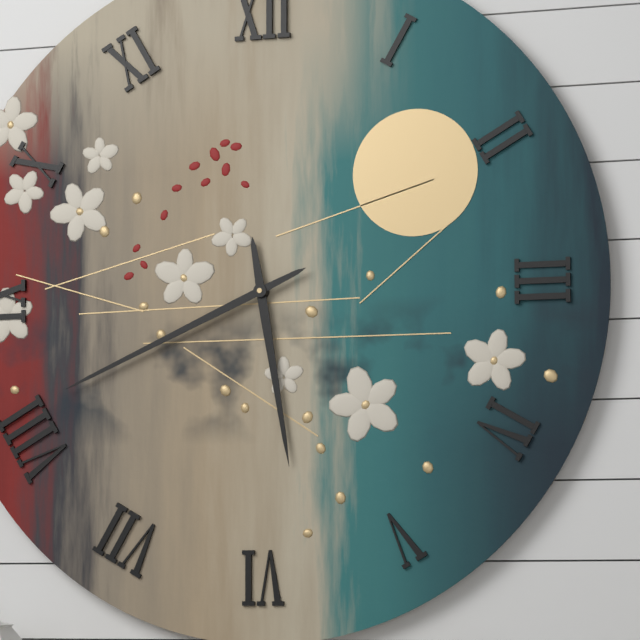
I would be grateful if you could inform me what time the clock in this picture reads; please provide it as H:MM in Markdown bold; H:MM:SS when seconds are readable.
**5:41**
